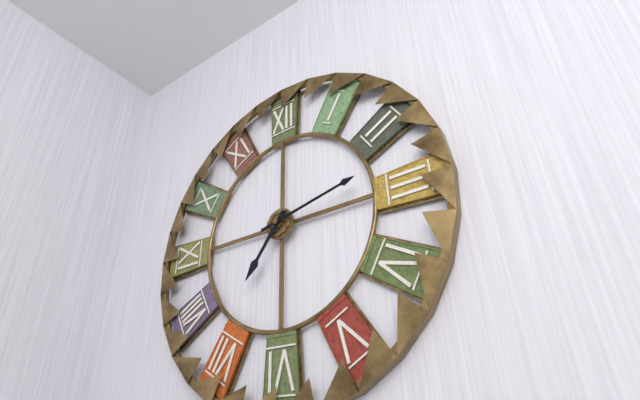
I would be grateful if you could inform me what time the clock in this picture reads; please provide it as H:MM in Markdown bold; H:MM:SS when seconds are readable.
**7:13**
